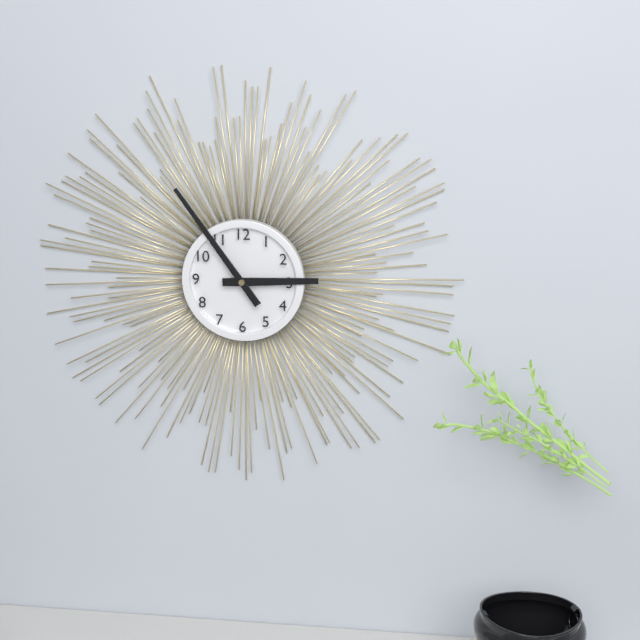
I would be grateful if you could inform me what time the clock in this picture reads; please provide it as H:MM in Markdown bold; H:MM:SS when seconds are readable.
**2:54**
